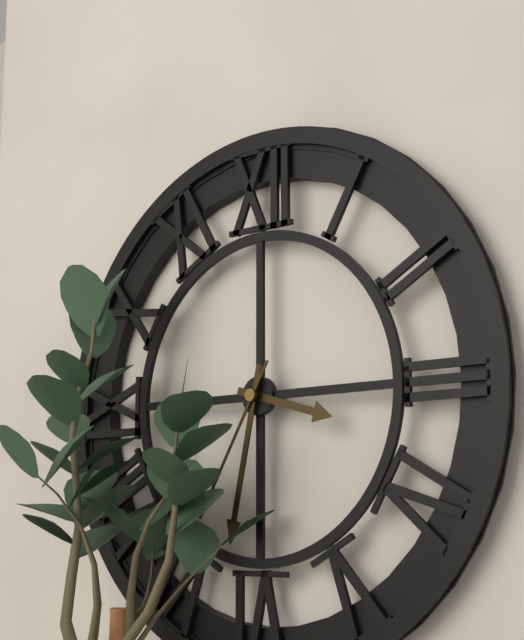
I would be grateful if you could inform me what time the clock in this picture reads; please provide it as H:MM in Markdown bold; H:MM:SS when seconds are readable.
**3:32:35**
